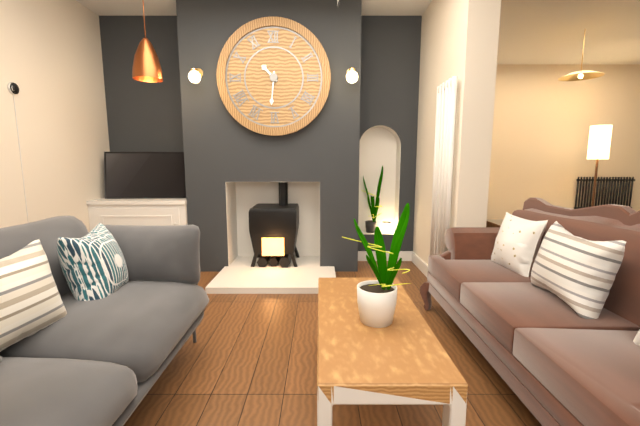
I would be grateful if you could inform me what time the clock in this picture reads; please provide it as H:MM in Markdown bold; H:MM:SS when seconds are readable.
**10:31**
